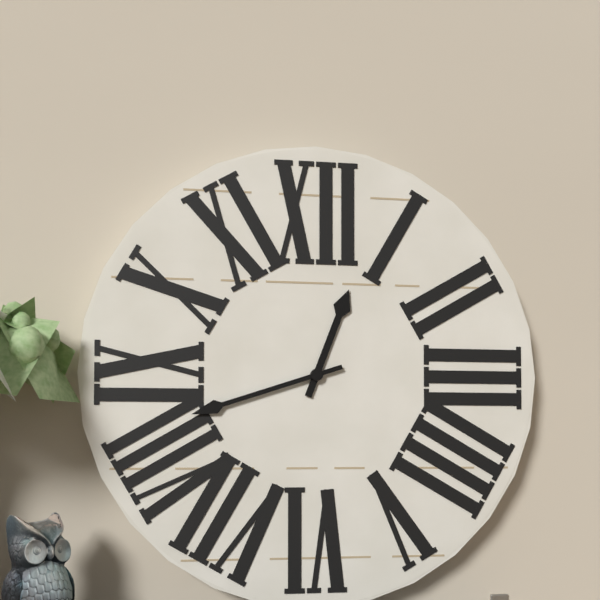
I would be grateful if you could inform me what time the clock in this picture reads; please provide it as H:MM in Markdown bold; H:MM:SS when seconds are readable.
**12:42**
